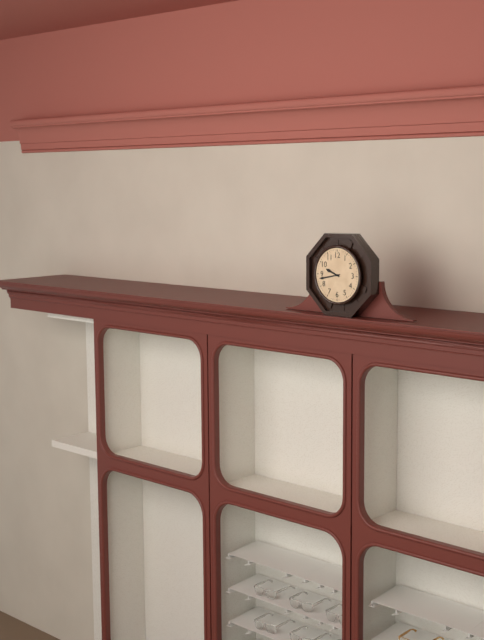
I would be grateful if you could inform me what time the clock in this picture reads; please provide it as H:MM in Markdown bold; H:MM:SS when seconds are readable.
**9:43**
